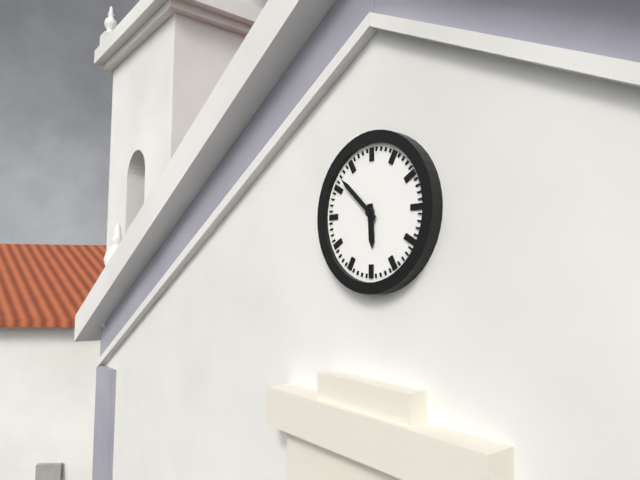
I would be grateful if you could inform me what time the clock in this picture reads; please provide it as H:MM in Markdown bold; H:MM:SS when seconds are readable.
**5:52**
